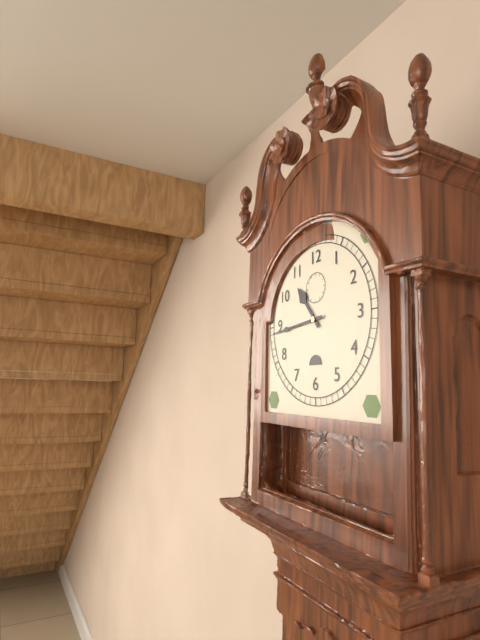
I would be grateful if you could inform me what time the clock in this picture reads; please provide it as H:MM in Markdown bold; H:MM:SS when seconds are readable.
**10:44**
